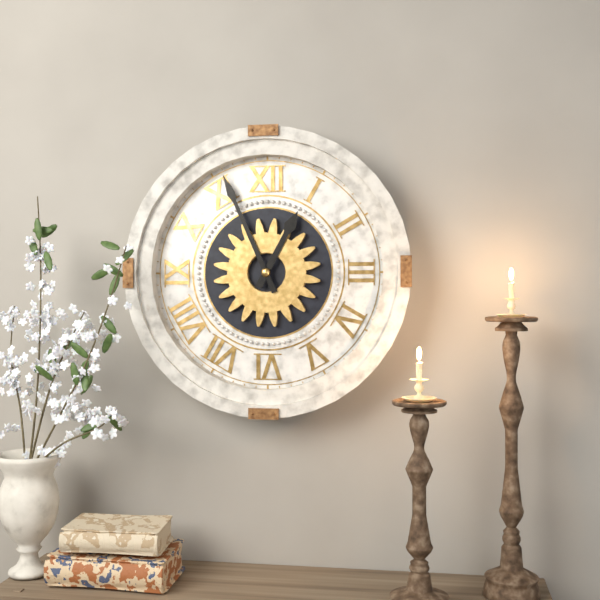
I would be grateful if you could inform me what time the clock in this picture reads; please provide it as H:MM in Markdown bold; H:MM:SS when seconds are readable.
**12:56**
